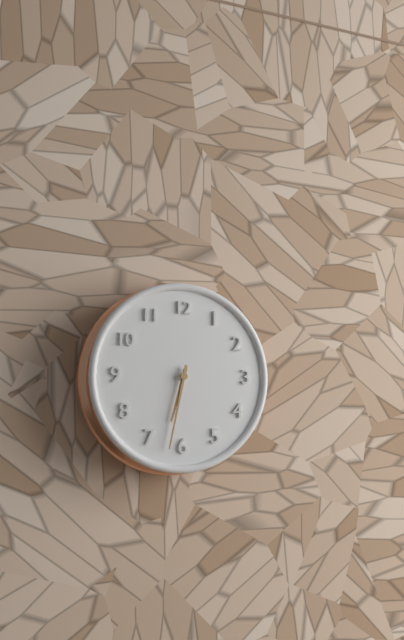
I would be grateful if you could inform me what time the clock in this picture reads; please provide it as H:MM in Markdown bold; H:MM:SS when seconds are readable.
**6:32**
